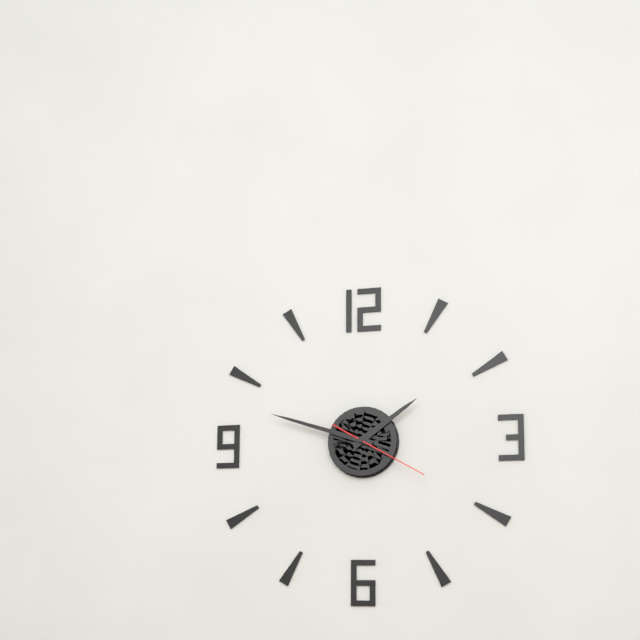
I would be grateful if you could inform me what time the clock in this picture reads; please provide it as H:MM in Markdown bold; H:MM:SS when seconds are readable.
**1:48:20**
